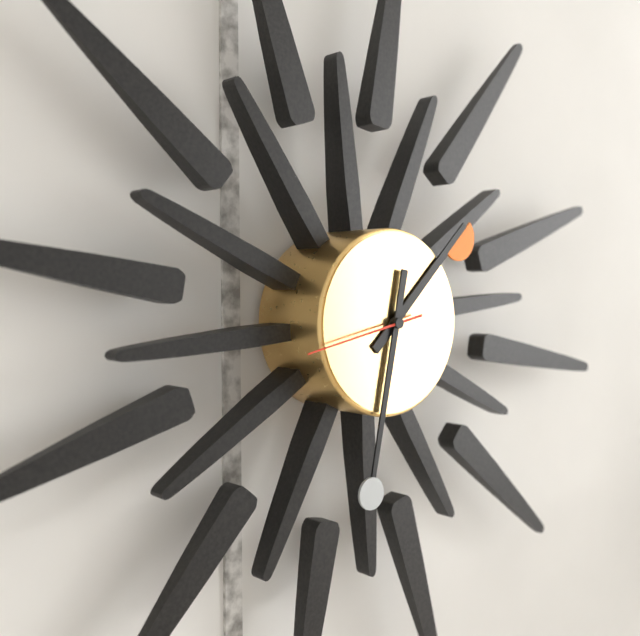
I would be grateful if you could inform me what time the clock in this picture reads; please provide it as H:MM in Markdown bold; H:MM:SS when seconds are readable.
**1:32:43**
